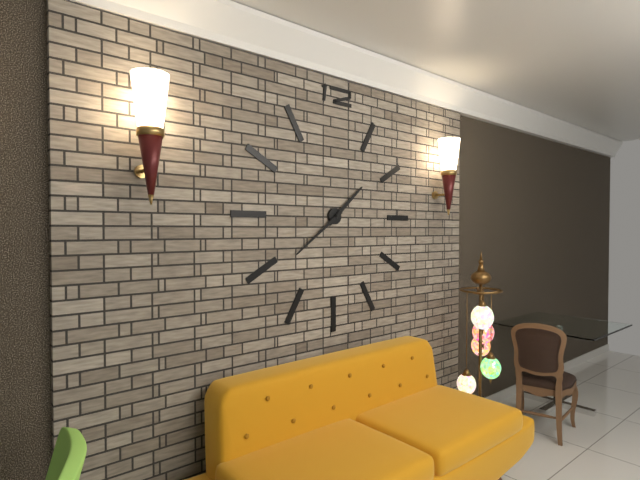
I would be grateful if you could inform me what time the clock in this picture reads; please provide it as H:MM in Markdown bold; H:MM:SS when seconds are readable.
**1:39**
